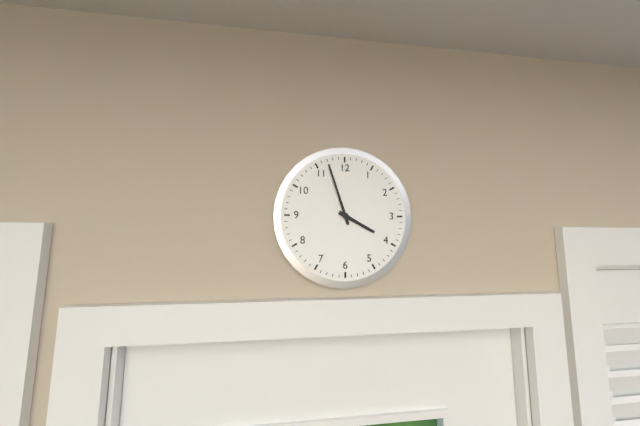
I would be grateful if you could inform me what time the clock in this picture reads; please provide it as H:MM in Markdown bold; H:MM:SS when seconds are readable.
**3:57**
